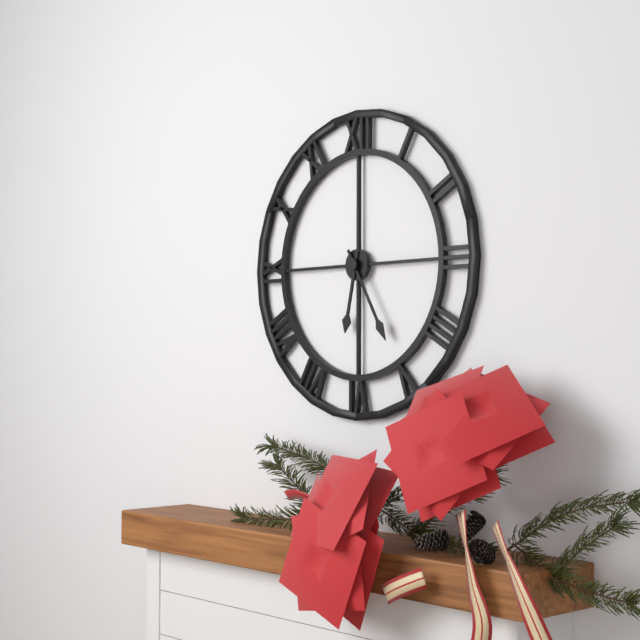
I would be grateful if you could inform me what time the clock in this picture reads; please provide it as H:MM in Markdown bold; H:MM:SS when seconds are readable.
**6:25**
